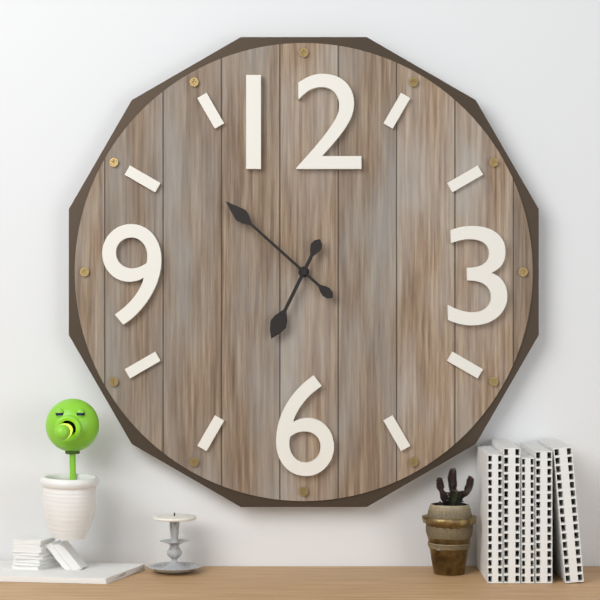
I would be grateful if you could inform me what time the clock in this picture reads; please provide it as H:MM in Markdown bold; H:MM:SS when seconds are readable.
**6:52**
